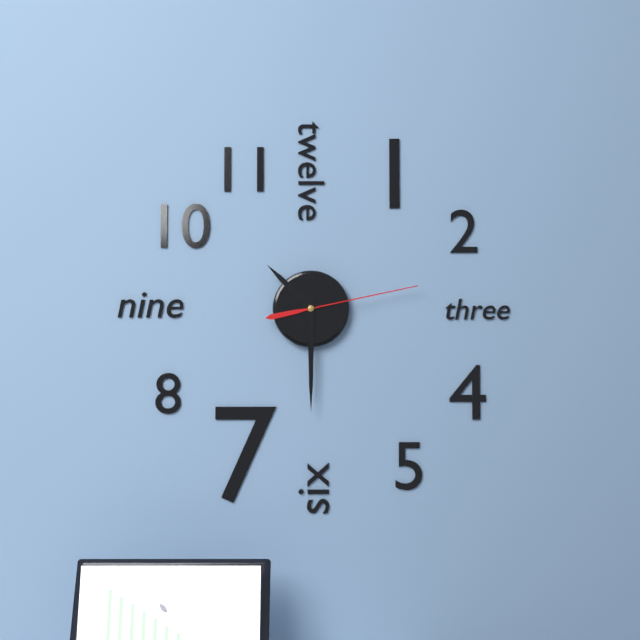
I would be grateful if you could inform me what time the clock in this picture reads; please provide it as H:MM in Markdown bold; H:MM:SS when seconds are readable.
**10:30:13**
